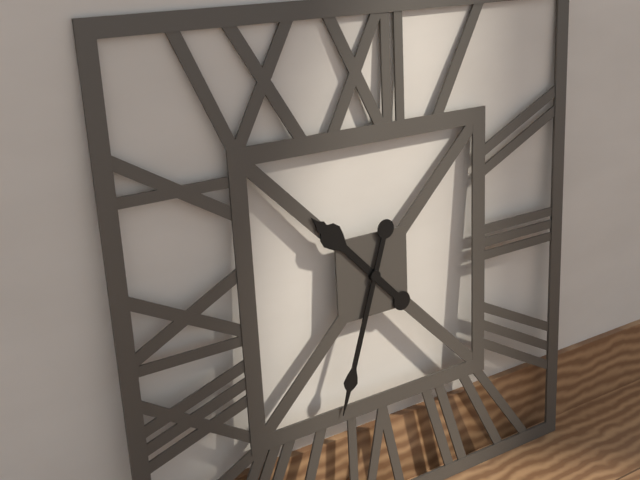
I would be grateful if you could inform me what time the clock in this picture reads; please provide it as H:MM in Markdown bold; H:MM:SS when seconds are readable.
**10:33**
